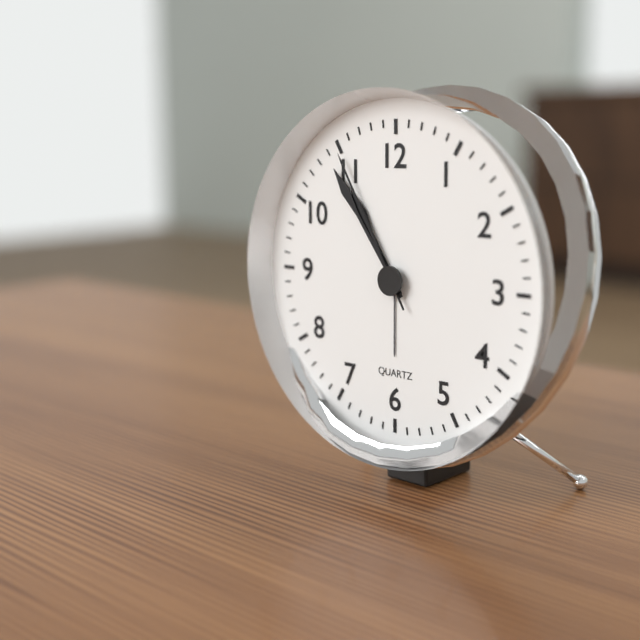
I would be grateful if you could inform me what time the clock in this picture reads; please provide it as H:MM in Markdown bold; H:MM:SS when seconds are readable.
**10:54:55**
